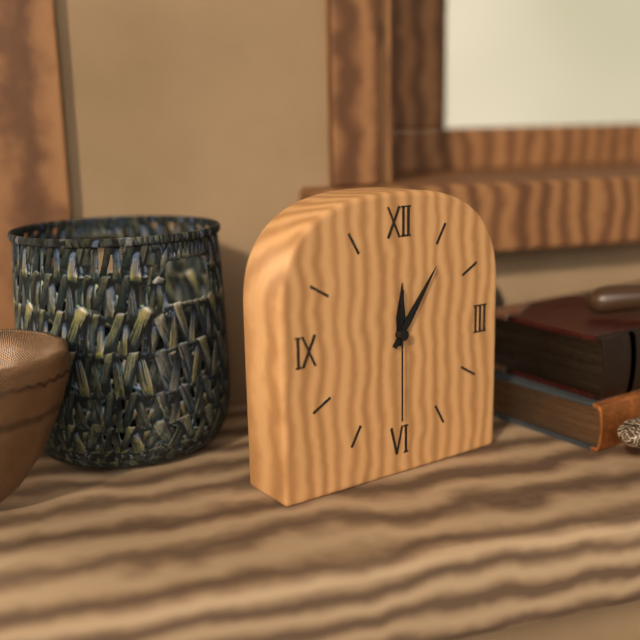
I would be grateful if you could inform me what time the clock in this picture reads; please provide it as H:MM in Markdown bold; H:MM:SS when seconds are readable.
**12:06:30**
